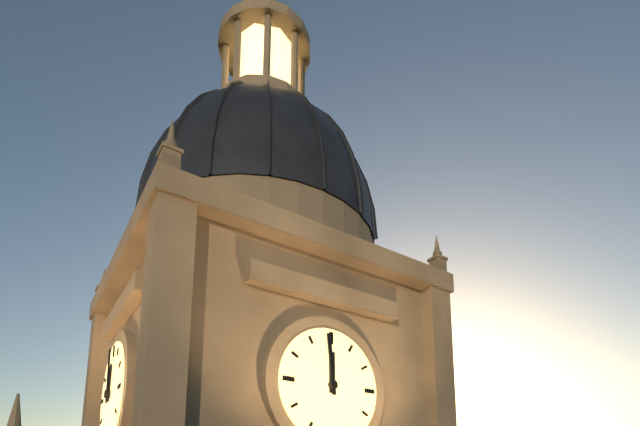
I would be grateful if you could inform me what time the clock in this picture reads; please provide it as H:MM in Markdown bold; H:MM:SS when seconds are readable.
**11:59**
